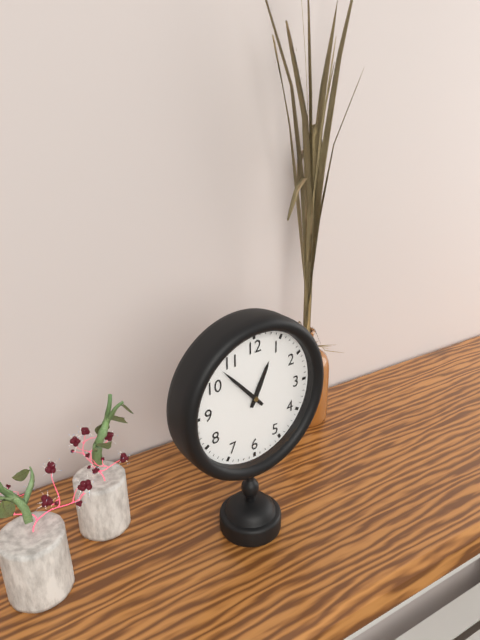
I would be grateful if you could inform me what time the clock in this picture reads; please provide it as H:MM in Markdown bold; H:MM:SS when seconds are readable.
**12:53**
